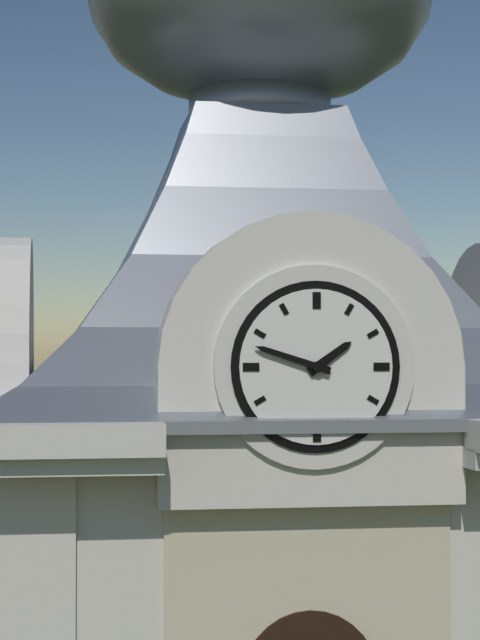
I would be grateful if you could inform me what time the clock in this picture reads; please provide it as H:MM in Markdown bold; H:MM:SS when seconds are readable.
**1:48**
